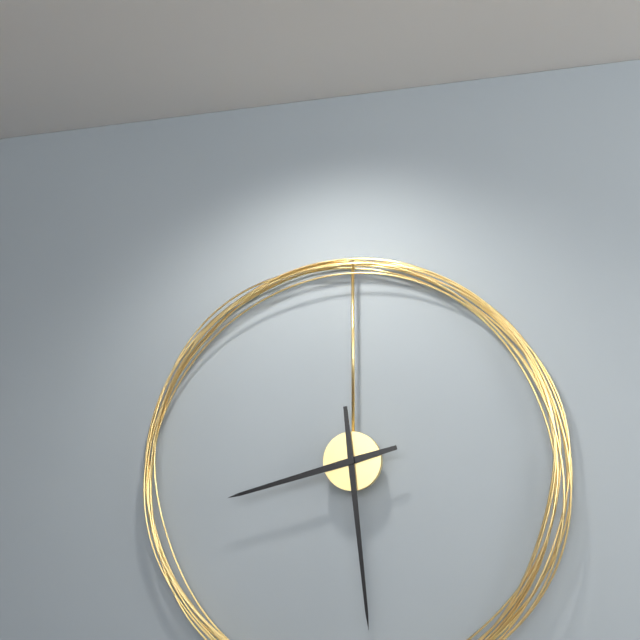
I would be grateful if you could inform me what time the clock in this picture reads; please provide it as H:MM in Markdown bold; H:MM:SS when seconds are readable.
**8:29**
